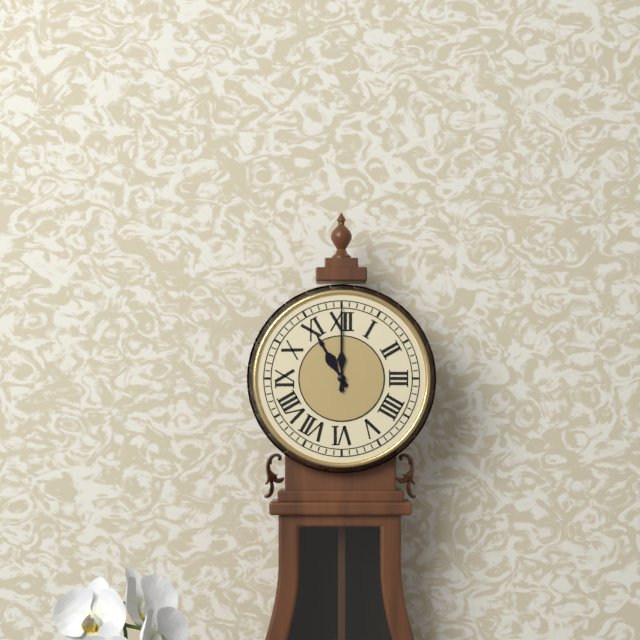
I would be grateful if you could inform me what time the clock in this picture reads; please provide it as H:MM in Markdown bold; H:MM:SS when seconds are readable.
**11:00**
